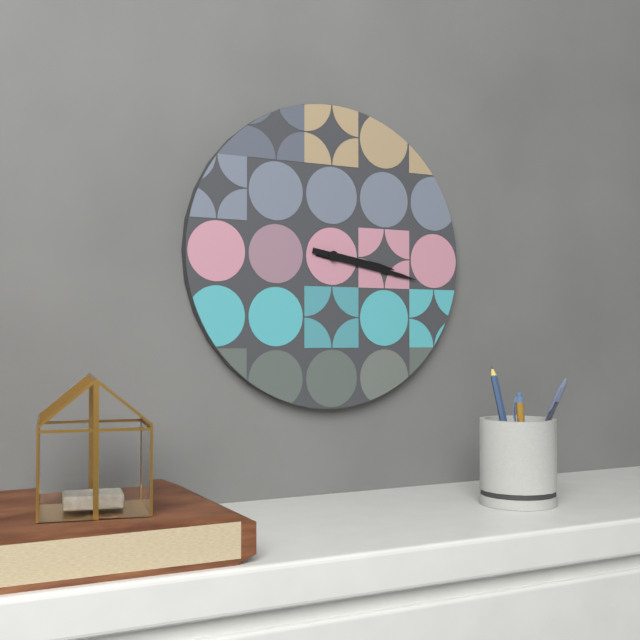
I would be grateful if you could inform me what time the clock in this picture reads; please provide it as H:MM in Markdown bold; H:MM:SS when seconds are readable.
**3:17**
